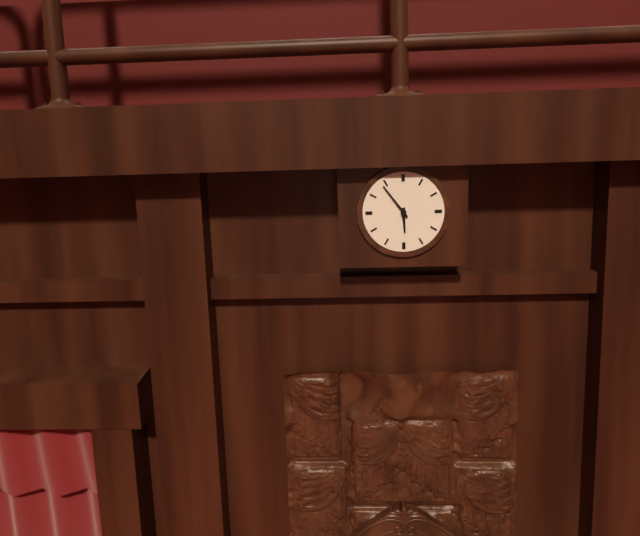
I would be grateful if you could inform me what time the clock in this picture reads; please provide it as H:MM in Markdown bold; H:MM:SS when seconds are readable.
**5:54**
